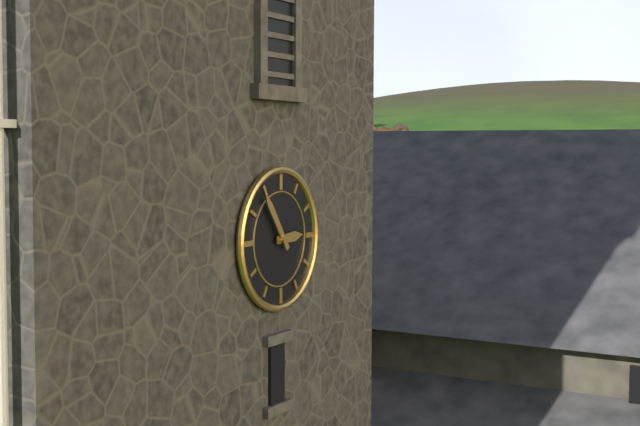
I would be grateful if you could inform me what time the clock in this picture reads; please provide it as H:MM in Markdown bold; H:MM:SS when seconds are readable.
**2:54**
